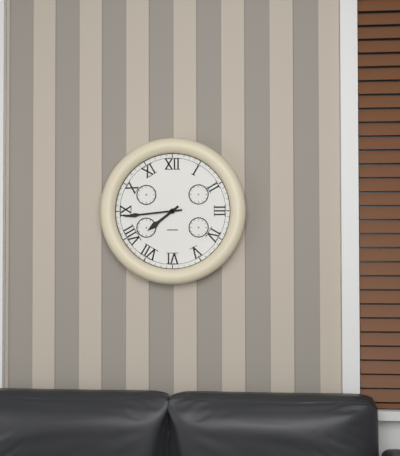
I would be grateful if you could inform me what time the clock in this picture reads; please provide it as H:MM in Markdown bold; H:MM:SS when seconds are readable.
**7:44**
